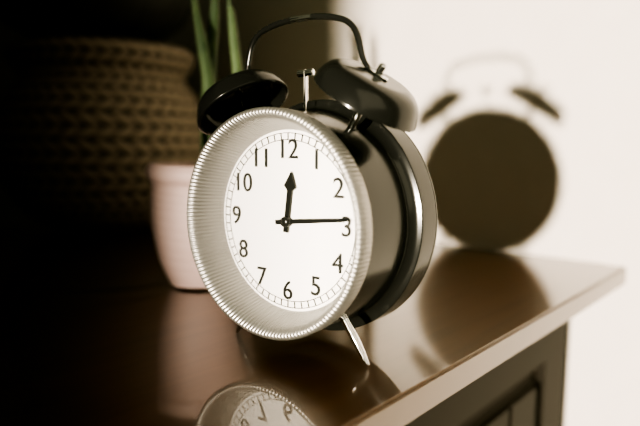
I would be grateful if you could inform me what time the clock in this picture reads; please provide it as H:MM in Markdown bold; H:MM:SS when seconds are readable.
**12:14**
